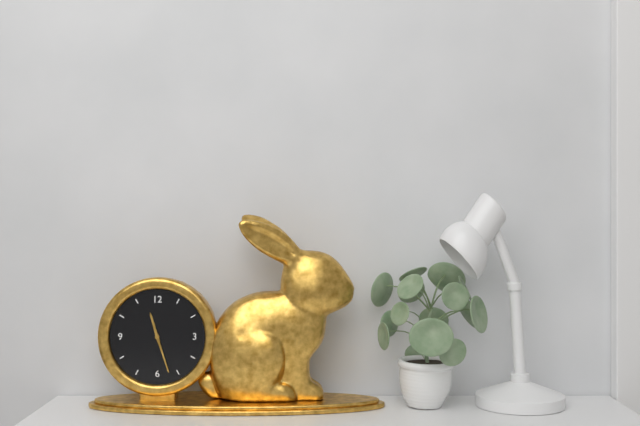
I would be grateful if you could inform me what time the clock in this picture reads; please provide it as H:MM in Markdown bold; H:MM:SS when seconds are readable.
**11:27**
